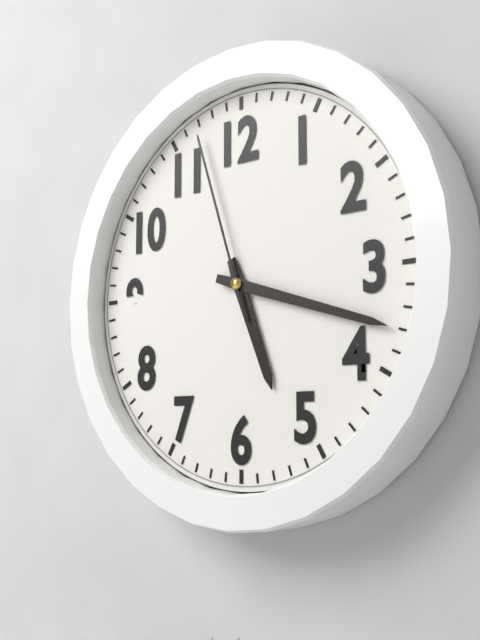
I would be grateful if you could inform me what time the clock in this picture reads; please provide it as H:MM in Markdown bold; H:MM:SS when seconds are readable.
**5:18:57**
